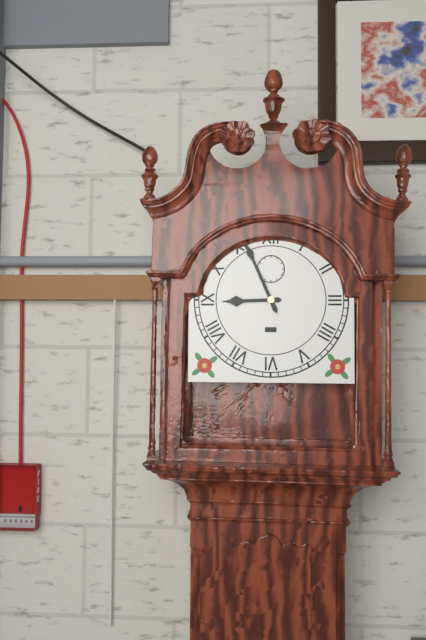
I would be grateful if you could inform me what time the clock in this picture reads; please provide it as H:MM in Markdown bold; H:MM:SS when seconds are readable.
**8:56**
